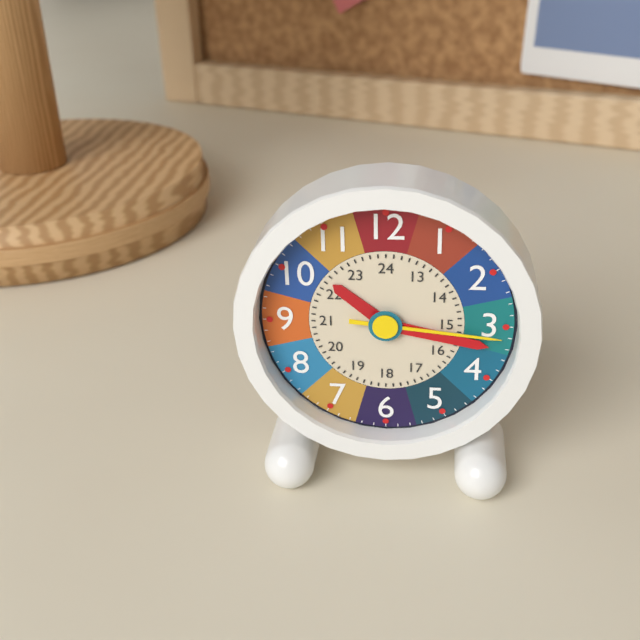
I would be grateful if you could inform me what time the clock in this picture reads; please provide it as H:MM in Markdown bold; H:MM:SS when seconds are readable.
**10:17:16**
